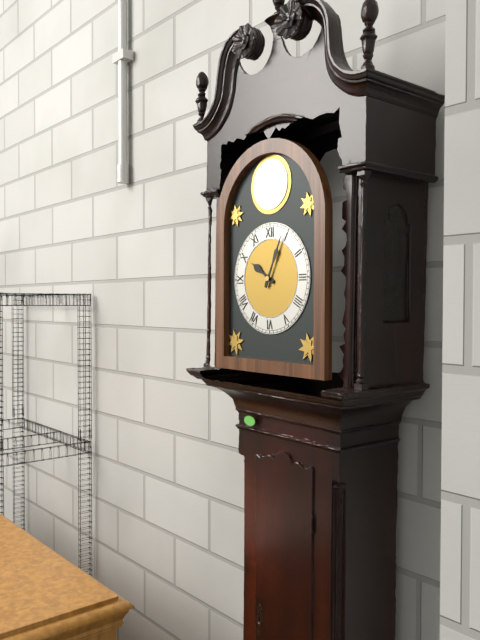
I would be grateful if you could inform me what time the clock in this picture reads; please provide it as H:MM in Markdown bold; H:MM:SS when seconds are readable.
**10:04**
